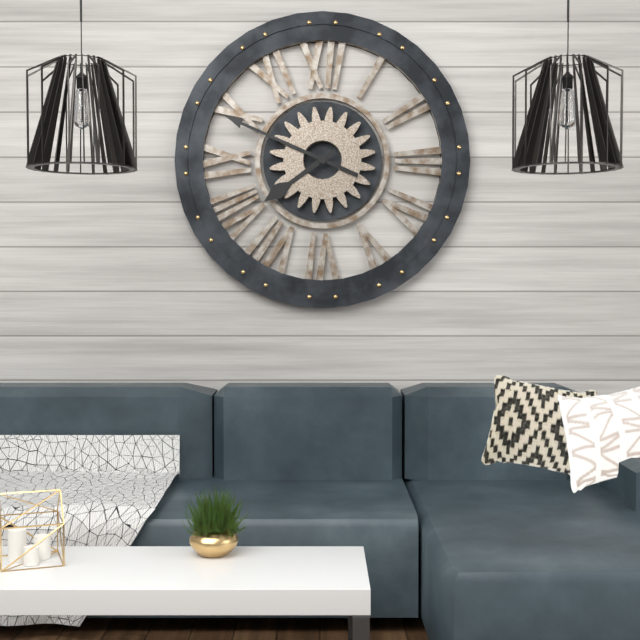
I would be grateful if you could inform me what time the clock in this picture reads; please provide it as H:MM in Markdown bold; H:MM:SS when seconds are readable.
**7:49**
